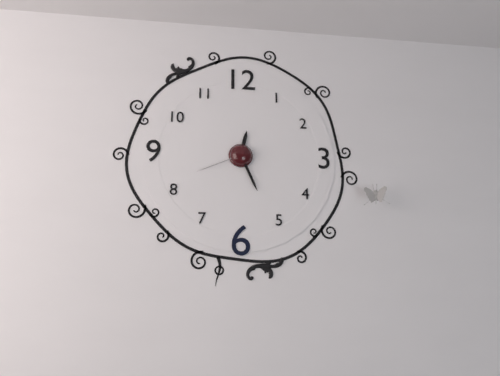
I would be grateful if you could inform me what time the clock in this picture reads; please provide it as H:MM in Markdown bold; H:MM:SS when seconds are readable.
**12:26:41**
